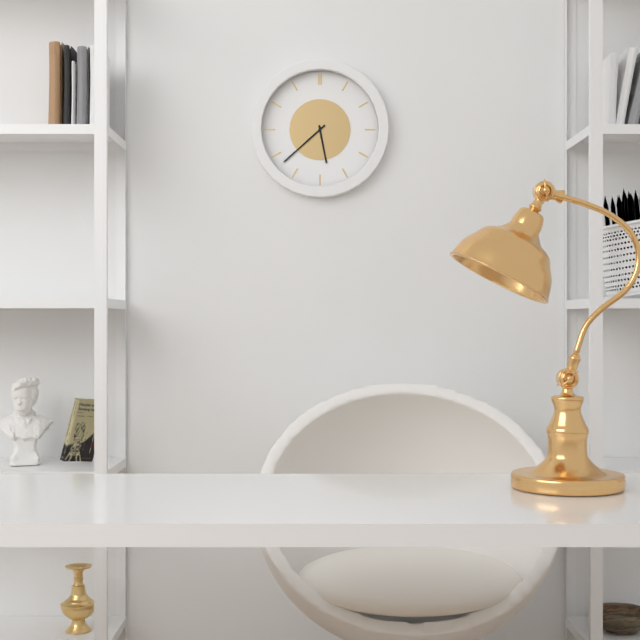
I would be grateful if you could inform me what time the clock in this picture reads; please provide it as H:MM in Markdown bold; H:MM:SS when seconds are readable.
**5:38**
